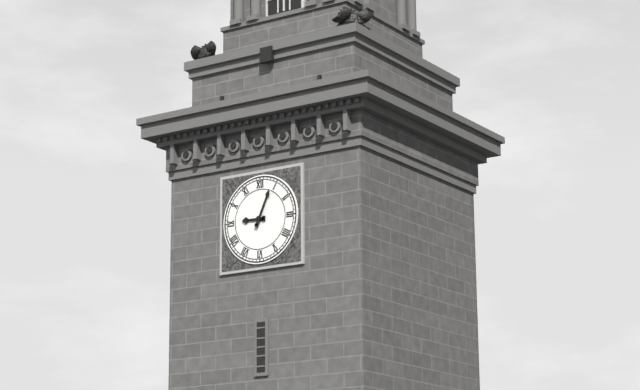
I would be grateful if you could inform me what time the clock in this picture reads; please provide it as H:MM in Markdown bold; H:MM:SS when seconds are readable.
**9:04**
